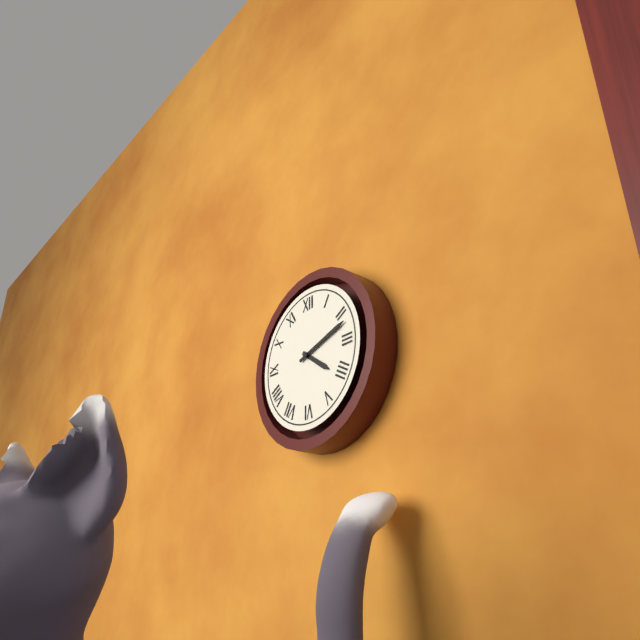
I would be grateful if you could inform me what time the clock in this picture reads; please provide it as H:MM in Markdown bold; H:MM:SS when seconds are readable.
**4:12**
